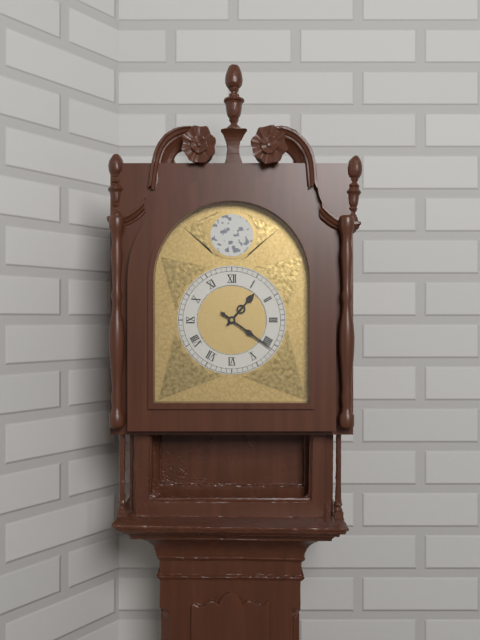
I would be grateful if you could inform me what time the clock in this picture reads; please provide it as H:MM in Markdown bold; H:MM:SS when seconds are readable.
**1:21**
